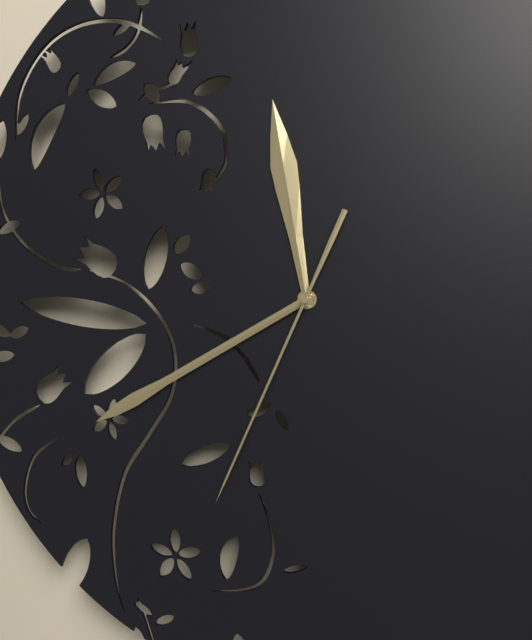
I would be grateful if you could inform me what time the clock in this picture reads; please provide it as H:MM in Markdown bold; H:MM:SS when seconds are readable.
**11:40:34**
